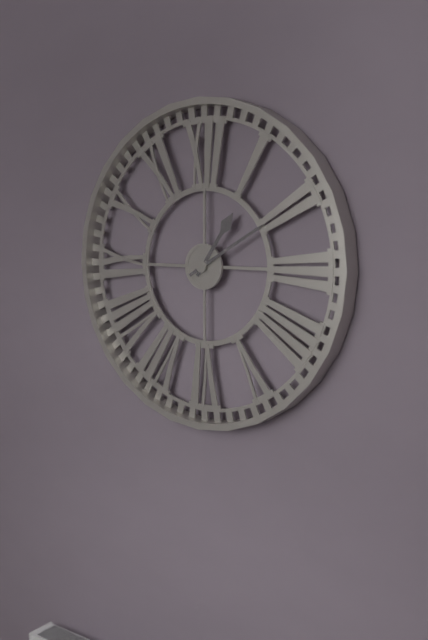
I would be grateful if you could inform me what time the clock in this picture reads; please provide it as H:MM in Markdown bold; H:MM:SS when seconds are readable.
**1:10**
